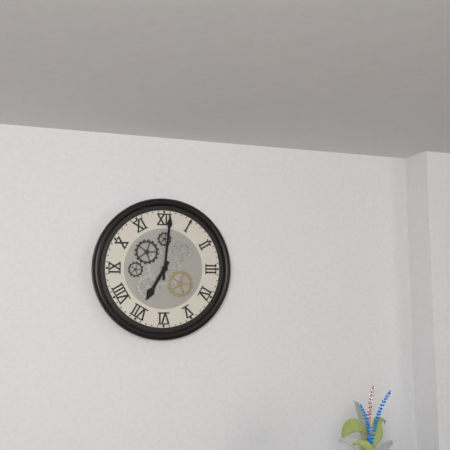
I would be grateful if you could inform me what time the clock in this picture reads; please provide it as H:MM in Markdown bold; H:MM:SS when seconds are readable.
**7:01**
